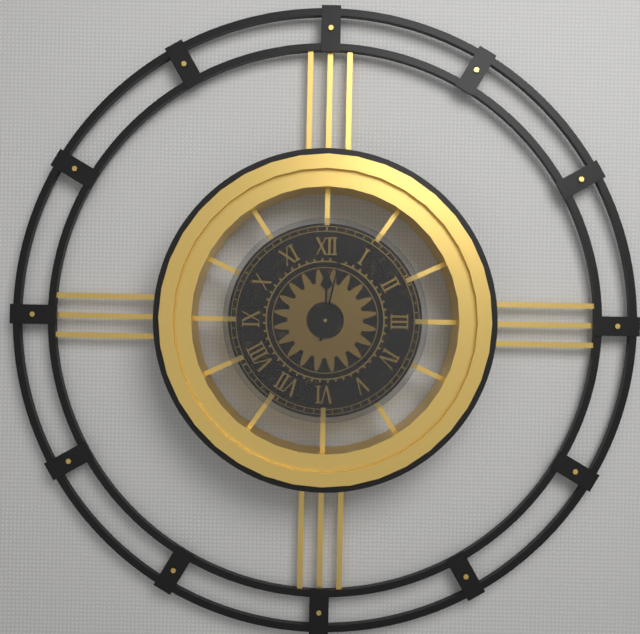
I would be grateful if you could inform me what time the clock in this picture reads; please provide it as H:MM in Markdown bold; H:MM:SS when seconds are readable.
**12:02**
